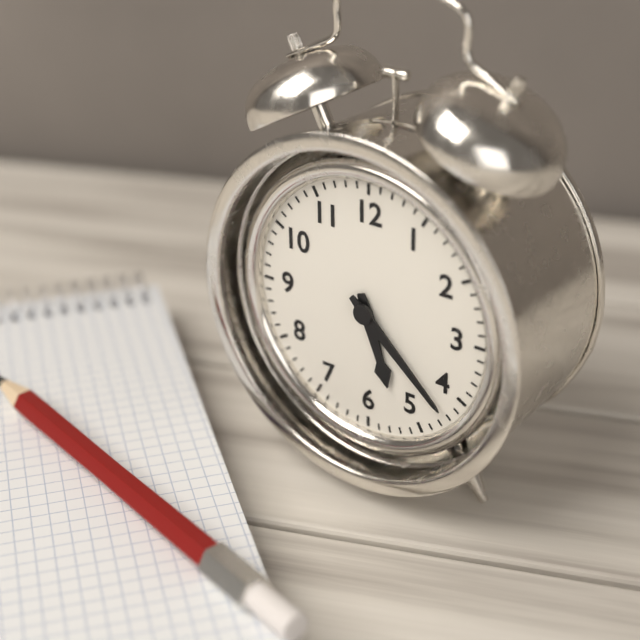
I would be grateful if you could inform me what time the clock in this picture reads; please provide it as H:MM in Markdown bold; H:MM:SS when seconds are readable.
**5:22**
